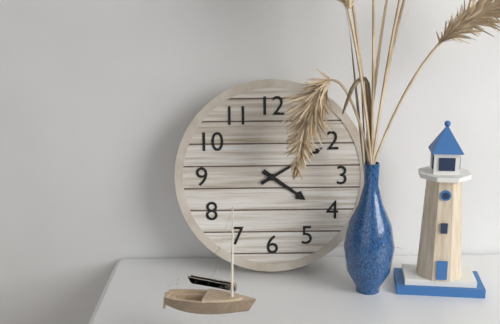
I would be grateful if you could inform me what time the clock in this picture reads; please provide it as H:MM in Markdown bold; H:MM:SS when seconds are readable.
**4:10**
